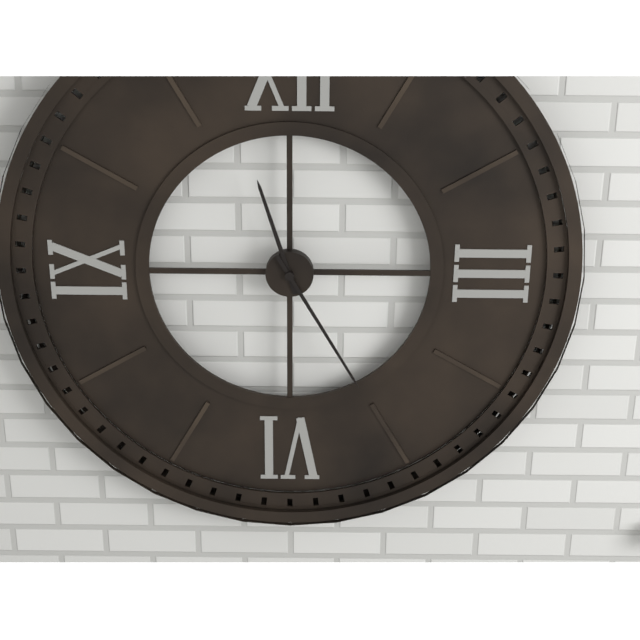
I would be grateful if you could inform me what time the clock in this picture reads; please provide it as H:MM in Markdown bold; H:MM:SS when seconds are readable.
**11:25**
